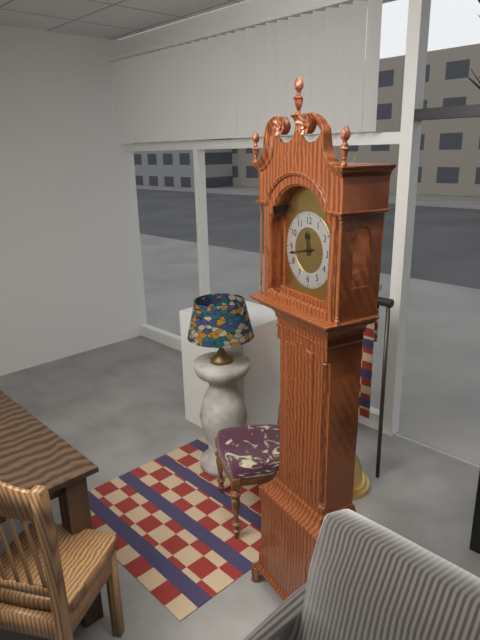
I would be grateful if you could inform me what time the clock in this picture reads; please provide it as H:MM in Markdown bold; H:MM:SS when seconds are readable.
**11:43**
